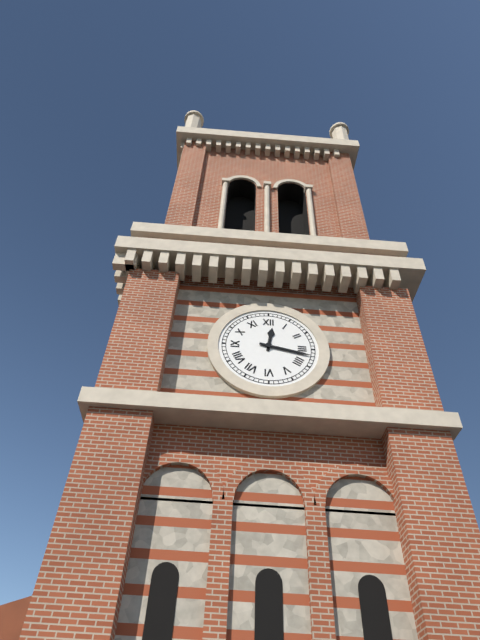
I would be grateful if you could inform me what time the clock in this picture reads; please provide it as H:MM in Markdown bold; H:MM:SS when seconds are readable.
**12:17**
